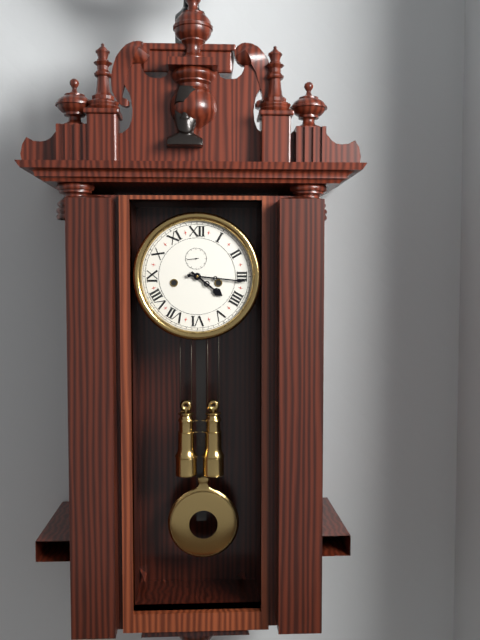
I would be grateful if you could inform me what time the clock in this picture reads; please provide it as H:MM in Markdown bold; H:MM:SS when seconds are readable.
**4:16**
